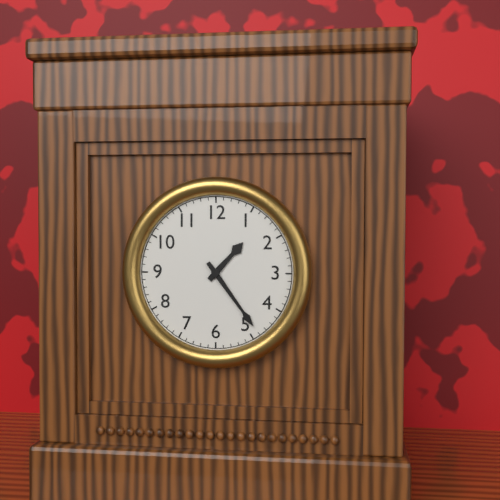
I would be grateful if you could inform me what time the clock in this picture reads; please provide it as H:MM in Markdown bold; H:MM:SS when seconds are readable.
**1:24**
